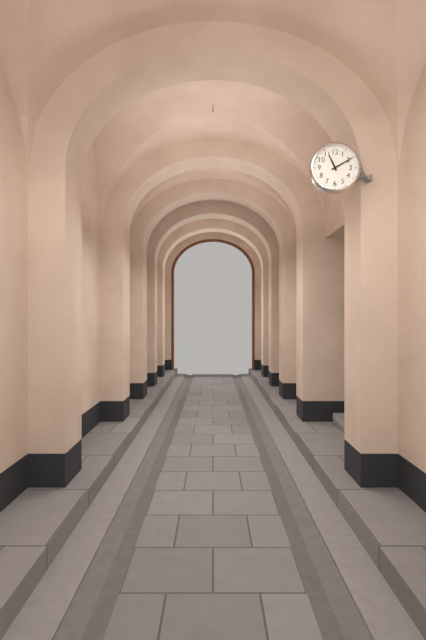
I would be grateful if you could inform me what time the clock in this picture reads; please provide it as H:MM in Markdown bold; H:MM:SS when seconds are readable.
**11:10**
